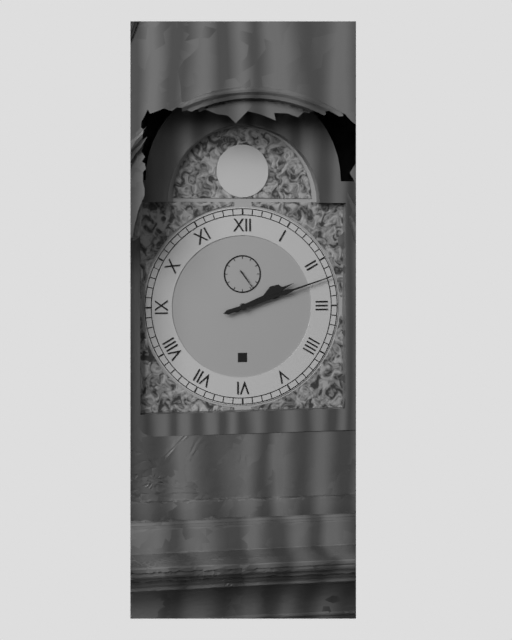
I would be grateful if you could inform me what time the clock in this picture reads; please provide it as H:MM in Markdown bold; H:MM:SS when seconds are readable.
**2:12**
